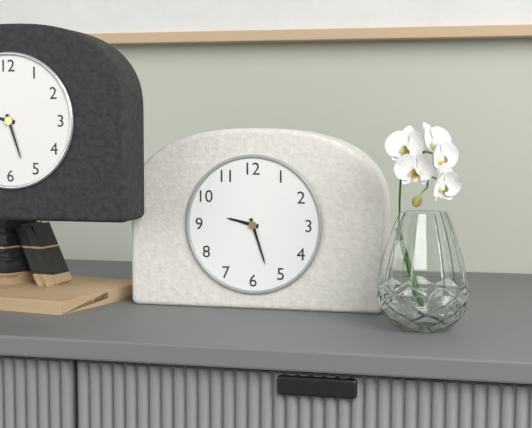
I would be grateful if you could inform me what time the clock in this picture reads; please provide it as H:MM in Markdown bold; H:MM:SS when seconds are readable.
**9:27**
